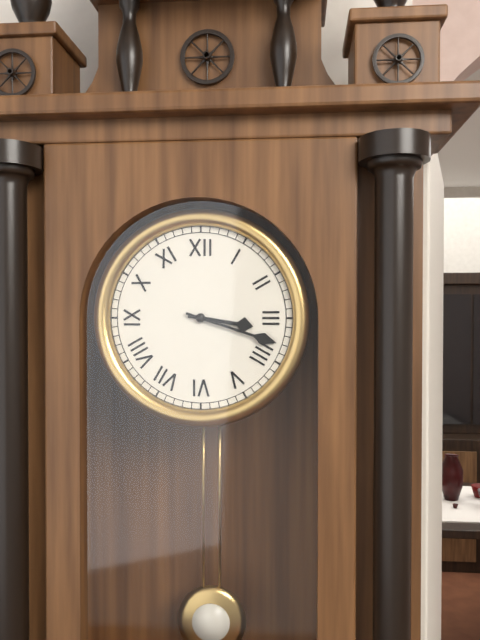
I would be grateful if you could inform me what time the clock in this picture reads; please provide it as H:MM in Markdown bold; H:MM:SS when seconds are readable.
**3:18**
